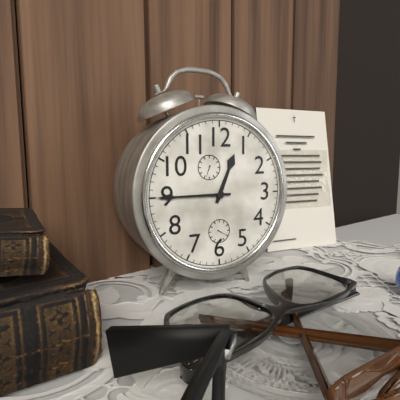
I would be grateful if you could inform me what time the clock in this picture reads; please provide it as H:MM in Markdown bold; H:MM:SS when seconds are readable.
**12:45**
